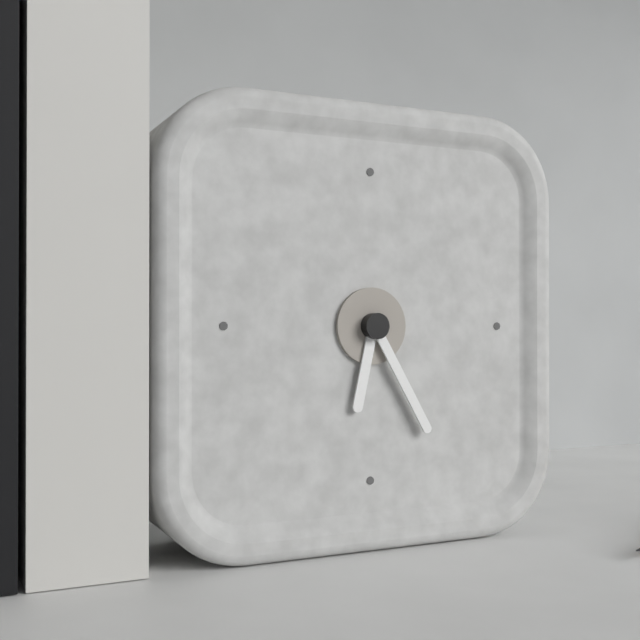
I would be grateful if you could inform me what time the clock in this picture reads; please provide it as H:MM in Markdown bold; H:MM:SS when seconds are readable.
**6:25**
